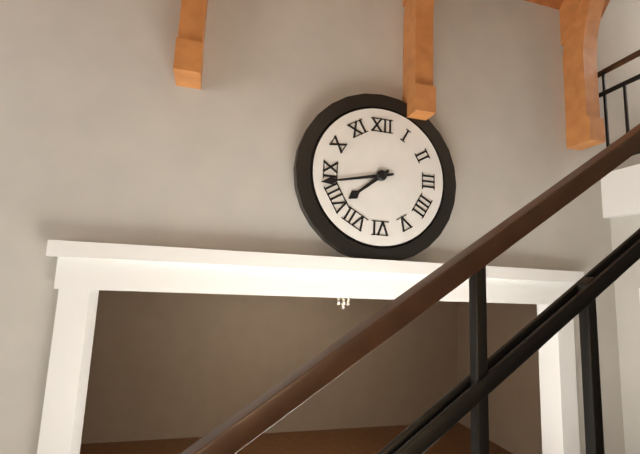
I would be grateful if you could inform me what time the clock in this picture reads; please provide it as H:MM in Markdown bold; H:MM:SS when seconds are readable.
**7:43**
